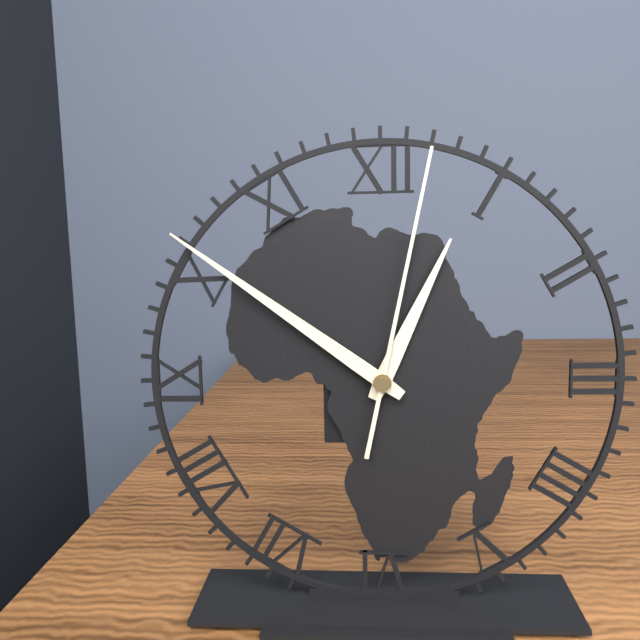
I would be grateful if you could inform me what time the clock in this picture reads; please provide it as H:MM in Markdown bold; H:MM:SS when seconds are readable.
**12:51:02**
